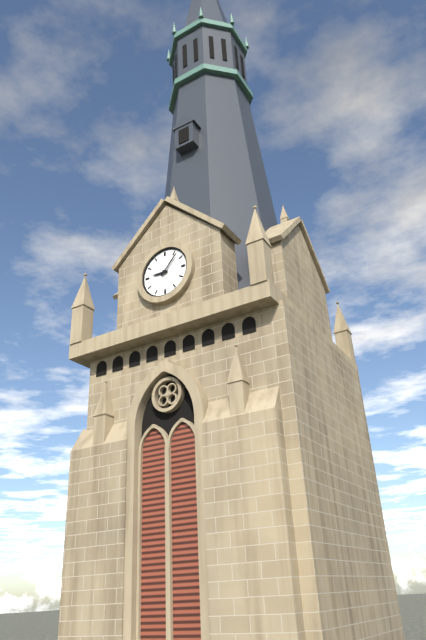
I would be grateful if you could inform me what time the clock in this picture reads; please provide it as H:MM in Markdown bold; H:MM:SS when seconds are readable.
**9:07**
